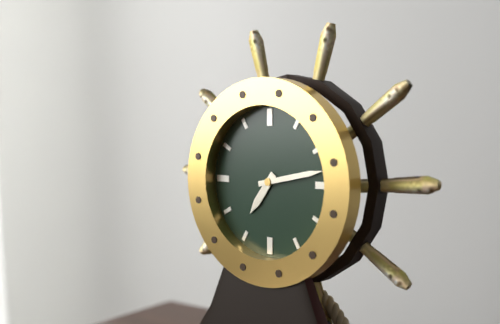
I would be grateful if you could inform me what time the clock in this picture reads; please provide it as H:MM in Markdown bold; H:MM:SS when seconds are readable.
**7:13**
